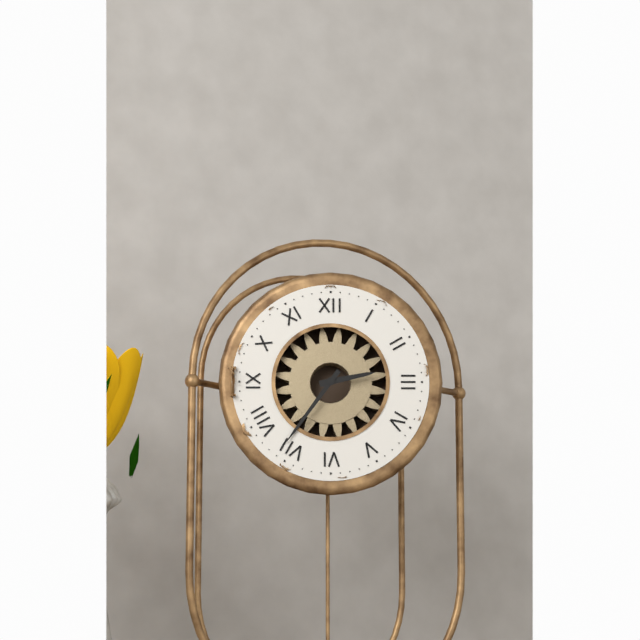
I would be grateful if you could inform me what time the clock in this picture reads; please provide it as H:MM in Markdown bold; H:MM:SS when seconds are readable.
**2:36**
